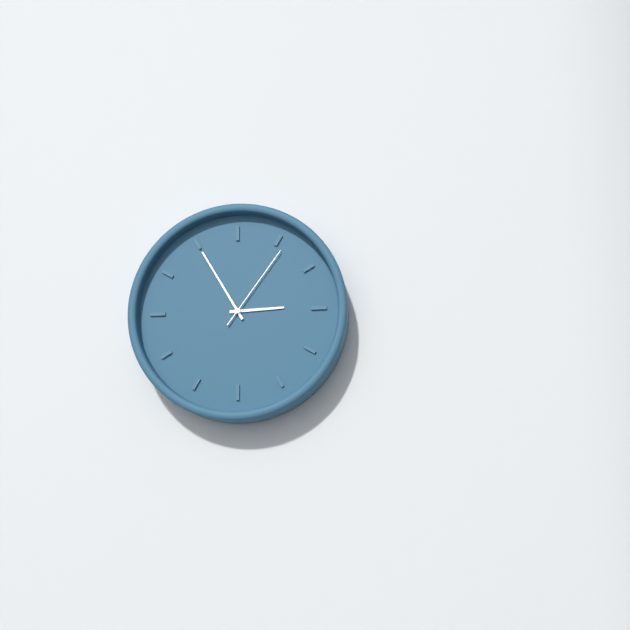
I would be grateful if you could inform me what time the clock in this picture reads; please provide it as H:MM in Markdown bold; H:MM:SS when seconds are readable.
**2:55:06**
